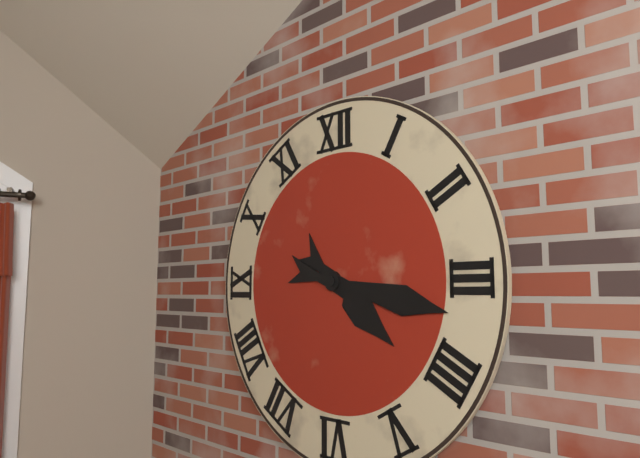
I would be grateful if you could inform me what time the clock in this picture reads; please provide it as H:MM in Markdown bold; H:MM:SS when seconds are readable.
**4:17**
